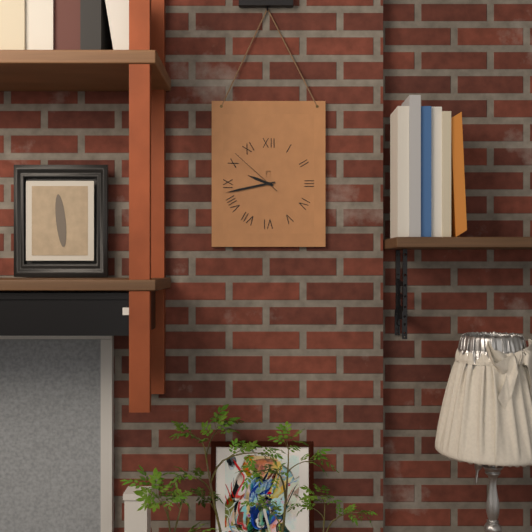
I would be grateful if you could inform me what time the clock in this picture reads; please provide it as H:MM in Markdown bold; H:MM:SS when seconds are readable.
**9:43:52**
